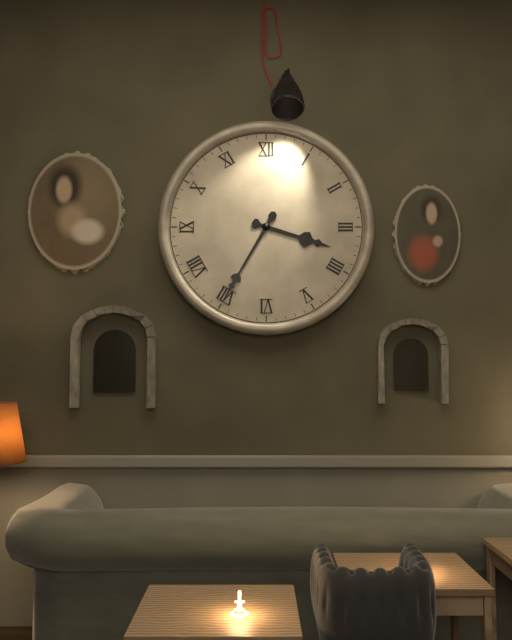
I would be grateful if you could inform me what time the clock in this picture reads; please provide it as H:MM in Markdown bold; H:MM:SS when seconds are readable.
**3:35**
